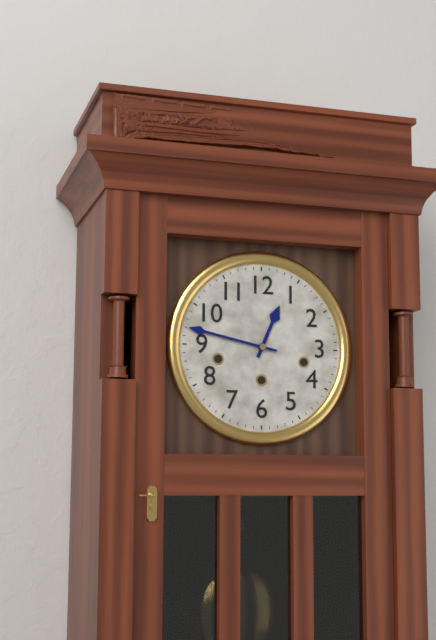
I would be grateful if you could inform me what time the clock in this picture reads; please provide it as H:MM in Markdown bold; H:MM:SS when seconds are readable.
**12:47**
